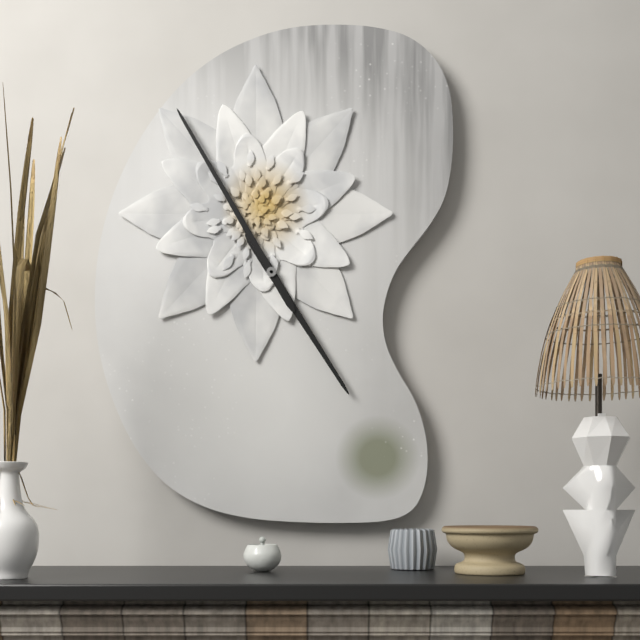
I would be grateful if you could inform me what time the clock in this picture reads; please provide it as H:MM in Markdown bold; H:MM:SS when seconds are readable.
**4:55**
